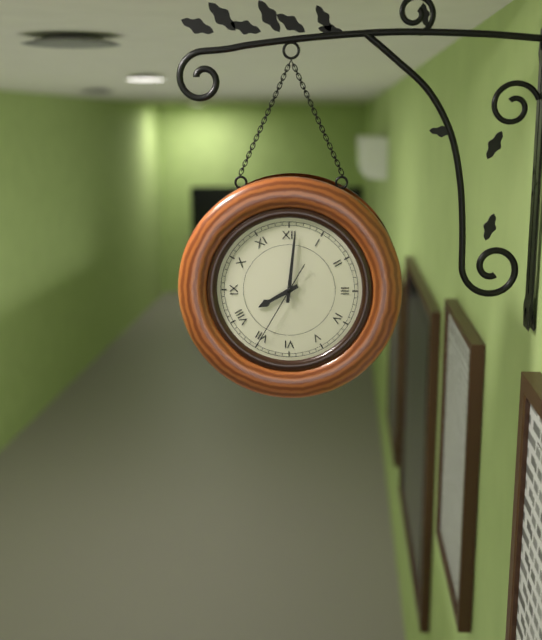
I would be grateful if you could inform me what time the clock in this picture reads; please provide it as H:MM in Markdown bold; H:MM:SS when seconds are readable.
**8:01:35**
